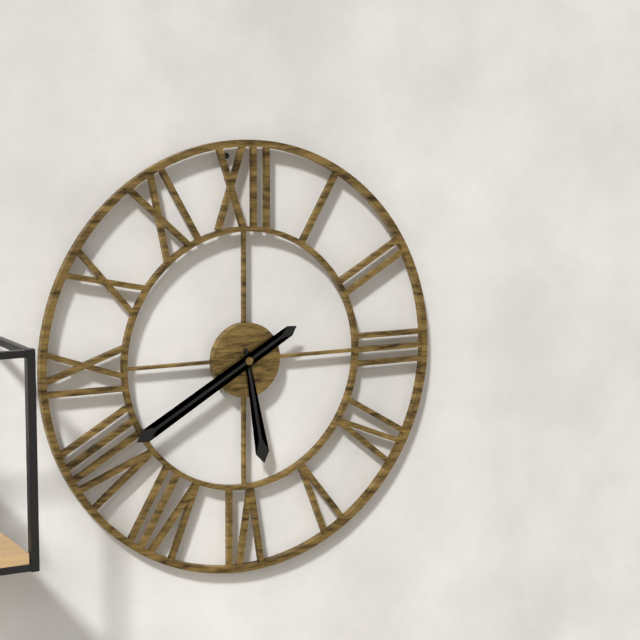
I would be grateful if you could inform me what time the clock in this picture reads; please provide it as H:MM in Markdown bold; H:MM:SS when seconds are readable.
**5:40**
